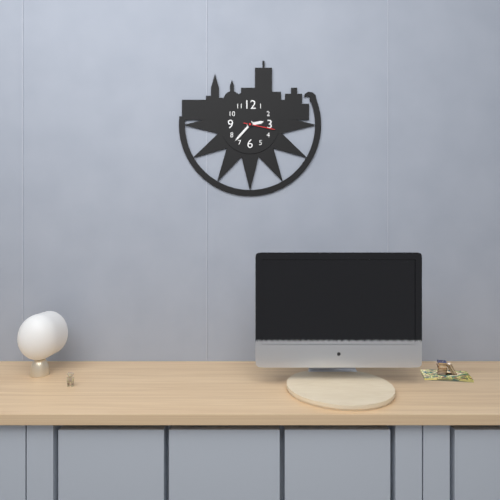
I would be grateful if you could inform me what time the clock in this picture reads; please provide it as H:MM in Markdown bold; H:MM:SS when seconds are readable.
**2:37**
